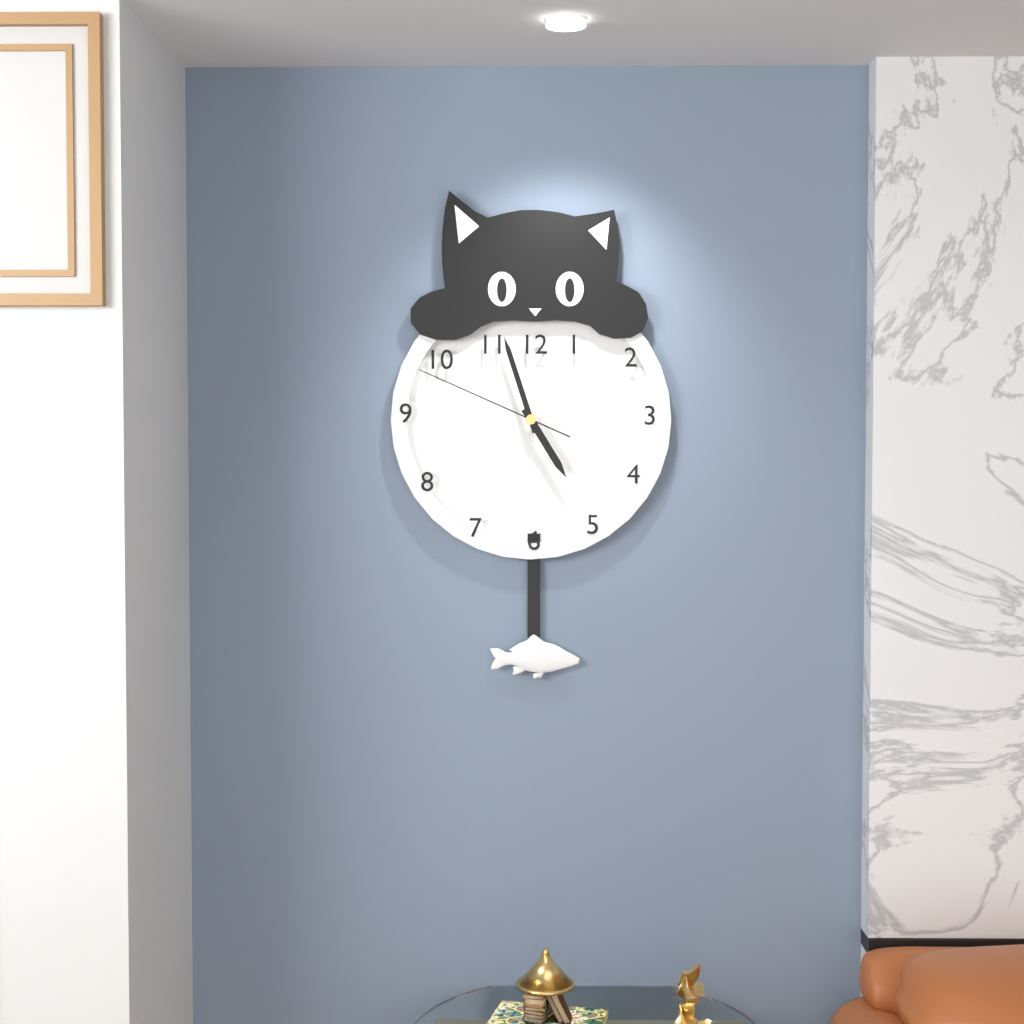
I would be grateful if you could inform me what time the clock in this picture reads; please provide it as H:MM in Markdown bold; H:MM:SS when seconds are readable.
**4:57:49**
